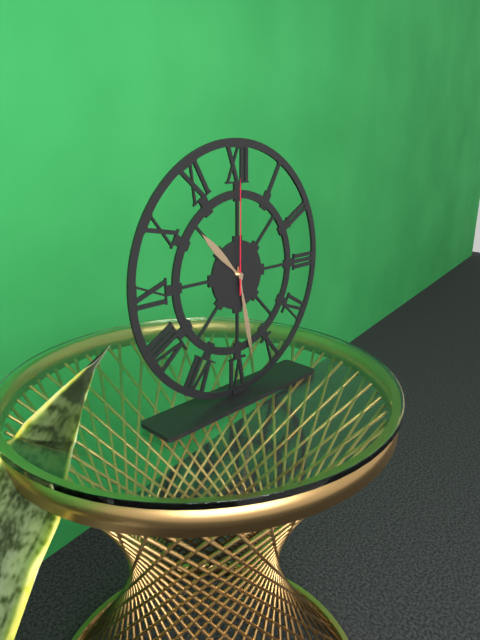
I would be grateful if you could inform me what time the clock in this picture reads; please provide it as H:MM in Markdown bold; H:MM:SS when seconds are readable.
**10:28:00**
